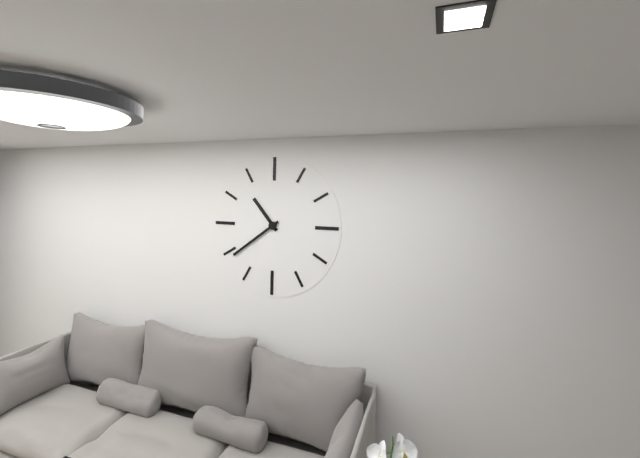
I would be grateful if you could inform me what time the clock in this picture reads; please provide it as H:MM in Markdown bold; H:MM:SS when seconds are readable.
**10:39**
